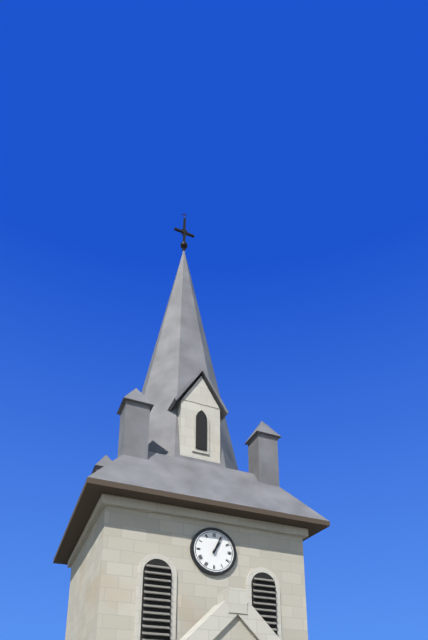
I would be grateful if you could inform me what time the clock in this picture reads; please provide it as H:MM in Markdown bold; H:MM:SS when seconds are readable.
**1:04**
